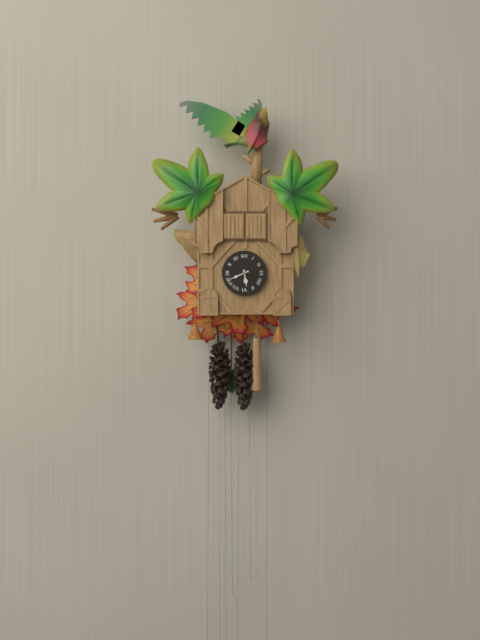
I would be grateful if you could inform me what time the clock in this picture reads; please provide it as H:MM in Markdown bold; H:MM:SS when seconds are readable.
**5:41**
